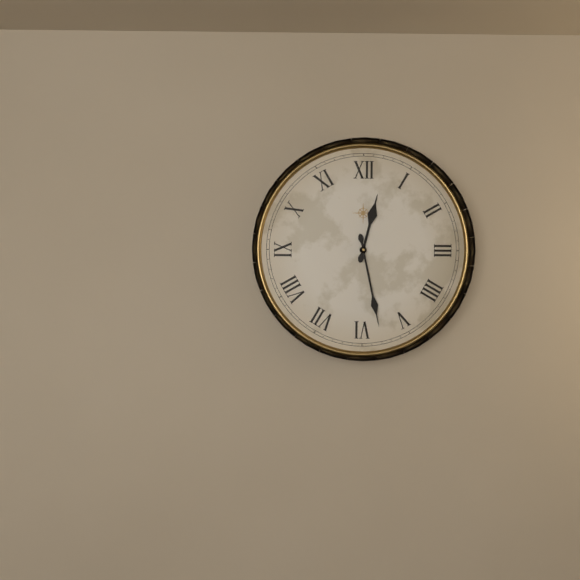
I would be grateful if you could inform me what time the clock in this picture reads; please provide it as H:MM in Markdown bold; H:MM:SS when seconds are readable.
**12:28**
